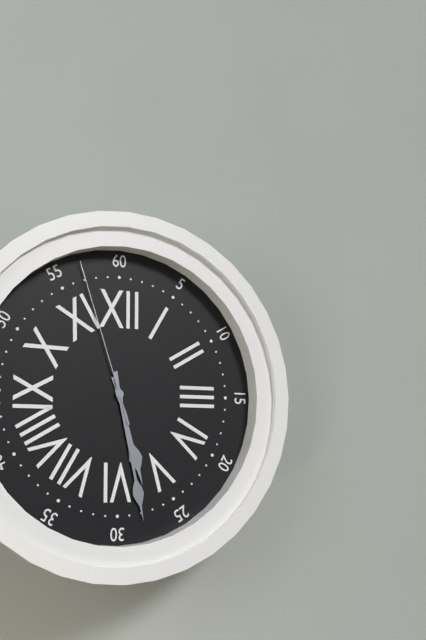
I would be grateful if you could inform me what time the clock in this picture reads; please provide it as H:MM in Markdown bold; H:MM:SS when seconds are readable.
**5:28:57**
